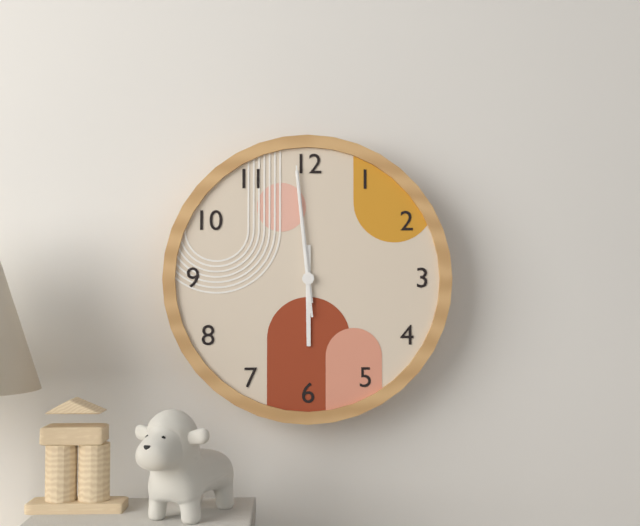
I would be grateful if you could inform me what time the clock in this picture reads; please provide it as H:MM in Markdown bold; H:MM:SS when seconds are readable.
**5:59:59**
